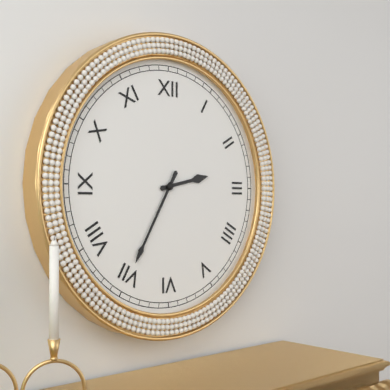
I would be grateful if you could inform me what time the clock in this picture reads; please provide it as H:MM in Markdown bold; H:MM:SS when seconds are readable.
**2:35**
